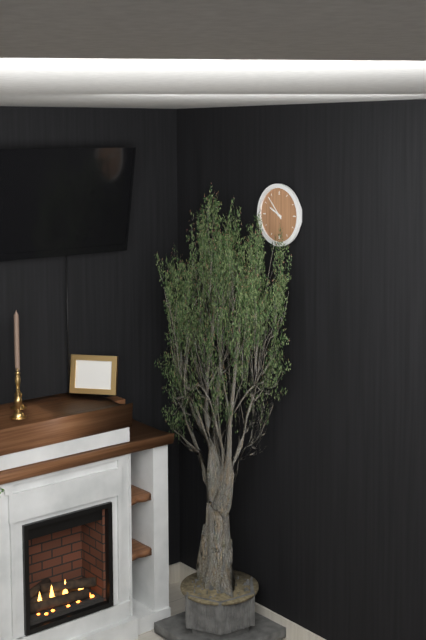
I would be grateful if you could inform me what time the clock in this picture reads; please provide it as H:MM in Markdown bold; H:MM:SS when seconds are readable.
**9:53**
